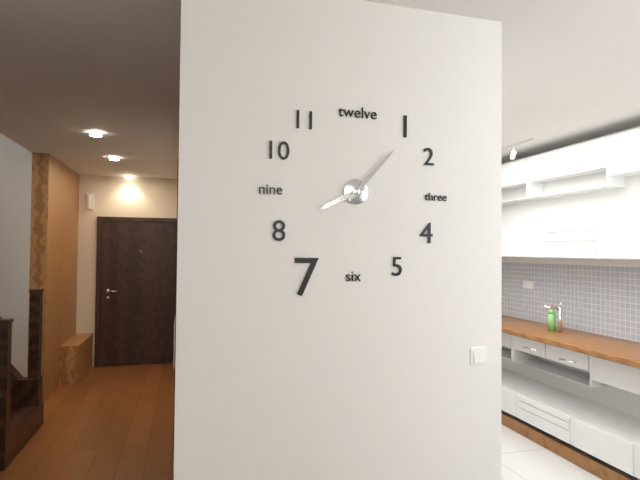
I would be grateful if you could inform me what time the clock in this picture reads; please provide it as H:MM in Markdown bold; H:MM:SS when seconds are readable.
**8:07**
